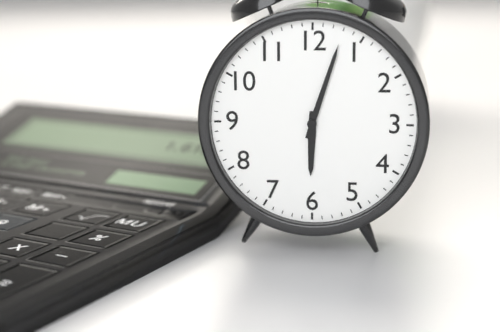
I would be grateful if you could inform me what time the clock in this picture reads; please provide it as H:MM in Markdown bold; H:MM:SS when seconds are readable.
**6:03**
